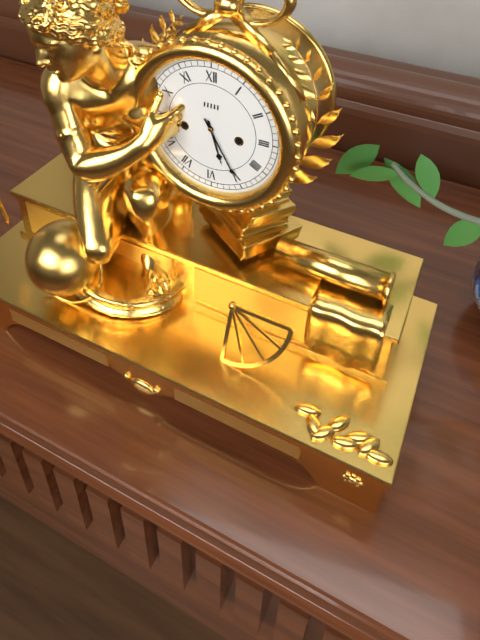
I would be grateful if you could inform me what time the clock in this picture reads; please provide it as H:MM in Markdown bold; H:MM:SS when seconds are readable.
**5:25**
